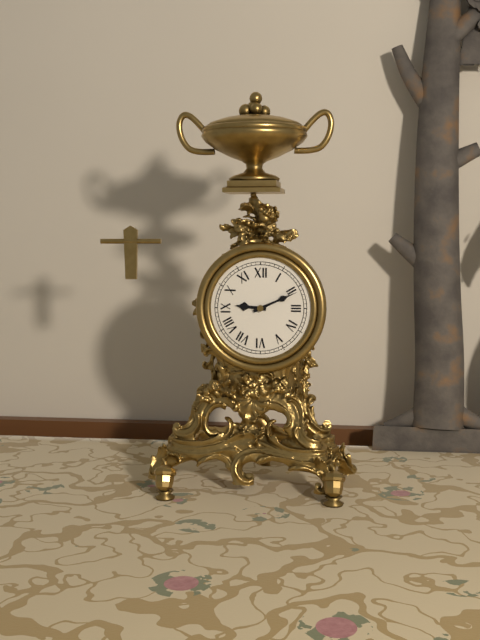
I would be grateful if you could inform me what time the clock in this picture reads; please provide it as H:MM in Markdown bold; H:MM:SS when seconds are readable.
**9:11**
